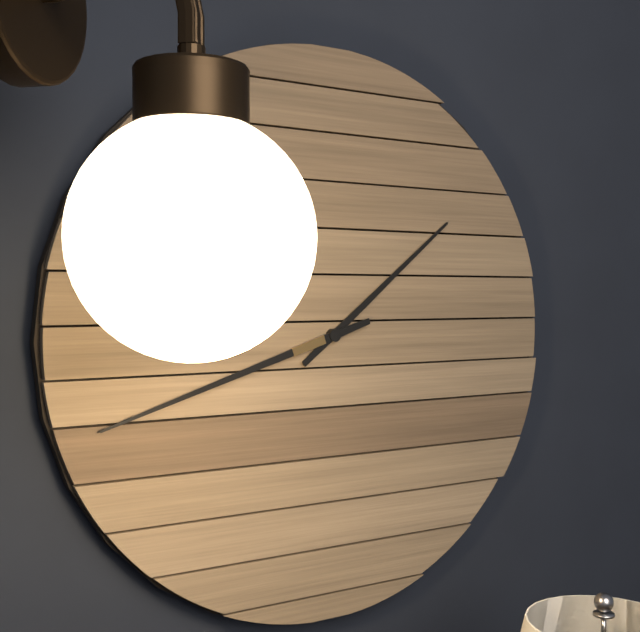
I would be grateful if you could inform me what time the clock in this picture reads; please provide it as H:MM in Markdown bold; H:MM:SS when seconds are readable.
**1:42**
